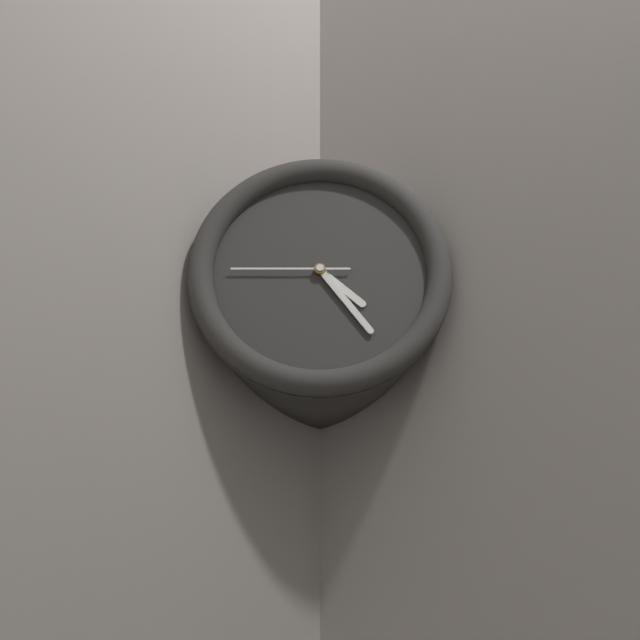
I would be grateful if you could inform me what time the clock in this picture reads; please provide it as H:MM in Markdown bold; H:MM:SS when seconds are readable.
**4:24:45**
